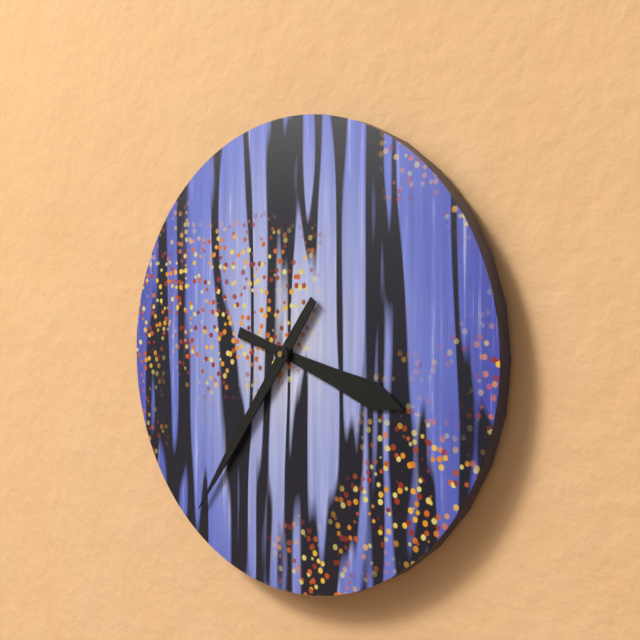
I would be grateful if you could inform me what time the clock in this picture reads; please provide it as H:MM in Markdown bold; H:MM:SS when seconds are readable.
**3:36**
